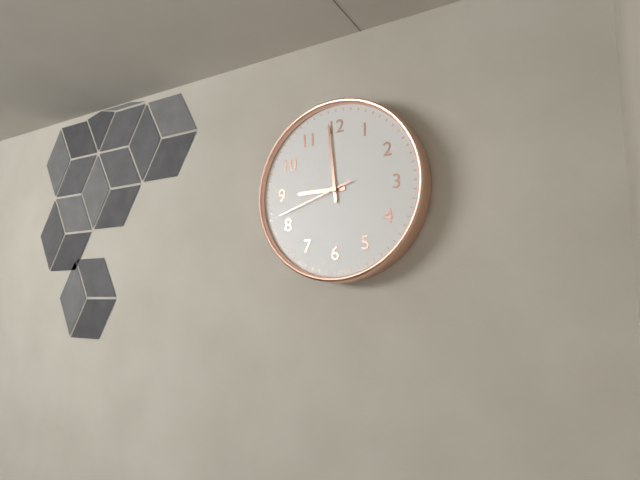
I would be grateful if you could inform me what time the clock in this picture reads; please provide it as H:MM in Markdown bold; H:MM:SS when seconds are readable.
**8:59:42**
